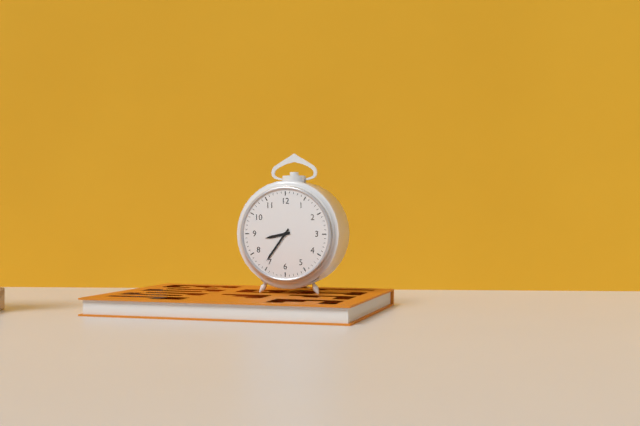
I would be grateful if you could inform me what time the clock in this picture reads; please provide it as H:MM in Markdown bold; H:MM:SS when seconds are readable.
**8:36**
